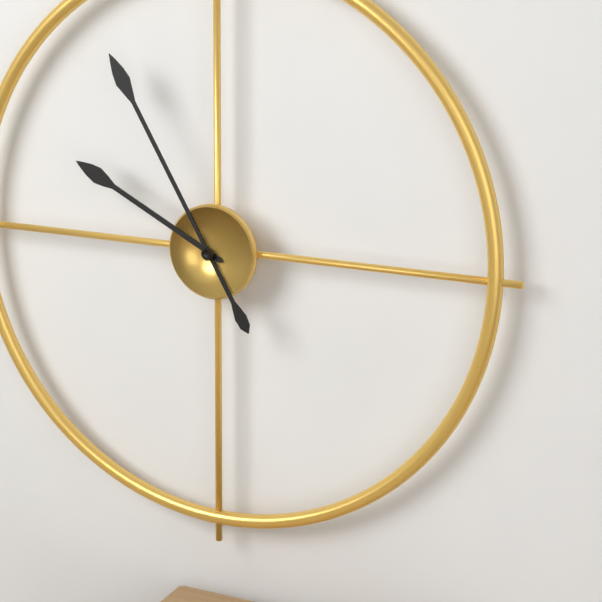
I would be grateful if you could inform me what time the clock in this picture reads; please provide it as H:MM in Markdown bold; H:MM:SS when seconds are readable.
**9:55**
